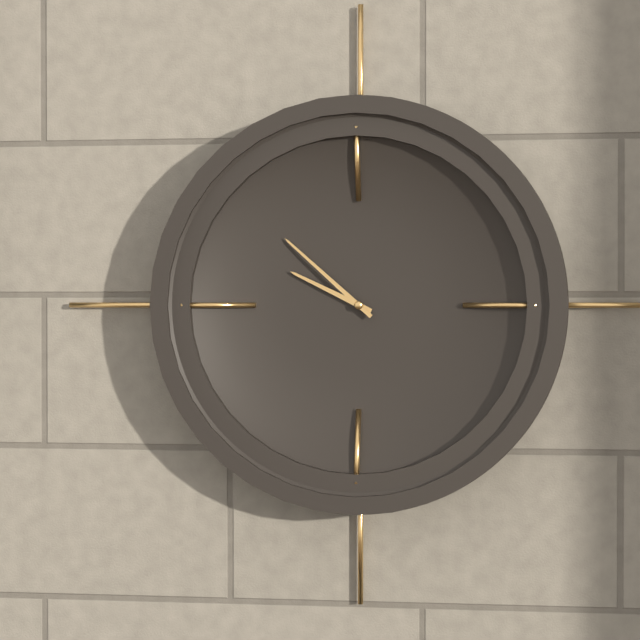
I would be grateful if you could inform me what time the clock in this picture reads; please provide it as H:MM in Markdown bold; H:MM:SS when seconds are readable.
**9:52**
